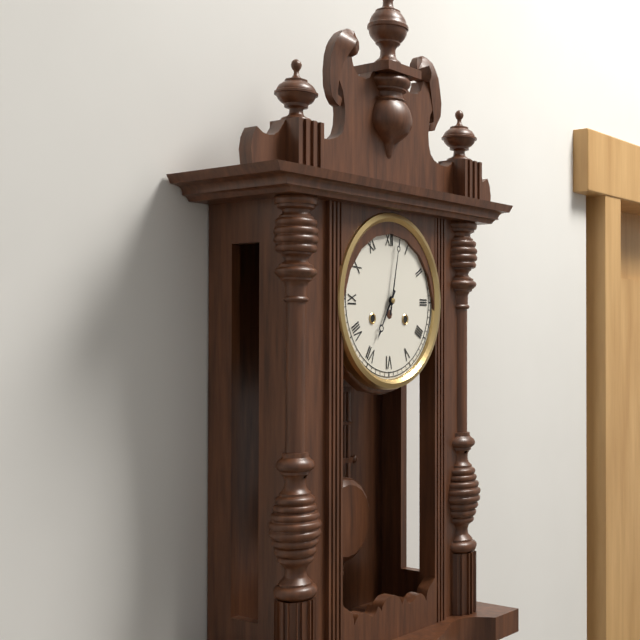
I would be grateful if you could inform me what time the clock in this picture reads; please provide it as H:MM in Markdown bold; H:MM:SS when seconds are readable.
**7:02**
